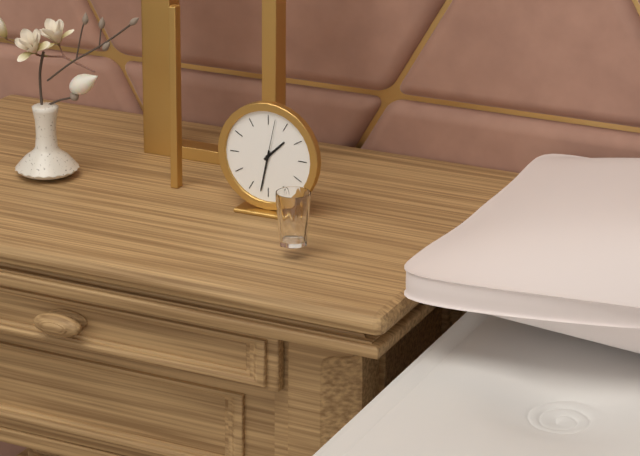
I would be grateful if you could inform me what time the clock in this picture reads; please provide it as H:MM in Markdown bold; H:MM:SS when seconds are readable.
**1:32**
